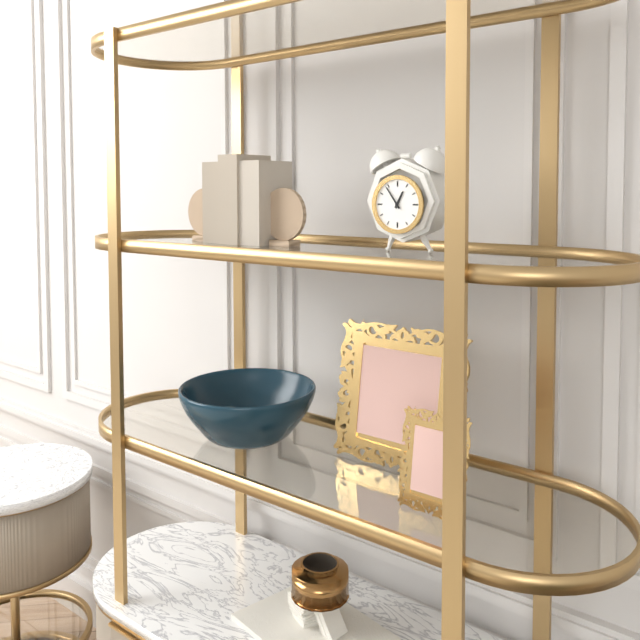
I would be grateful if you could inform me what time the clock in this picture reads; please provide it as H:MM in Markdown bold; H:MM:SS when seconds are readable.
**12:54**
